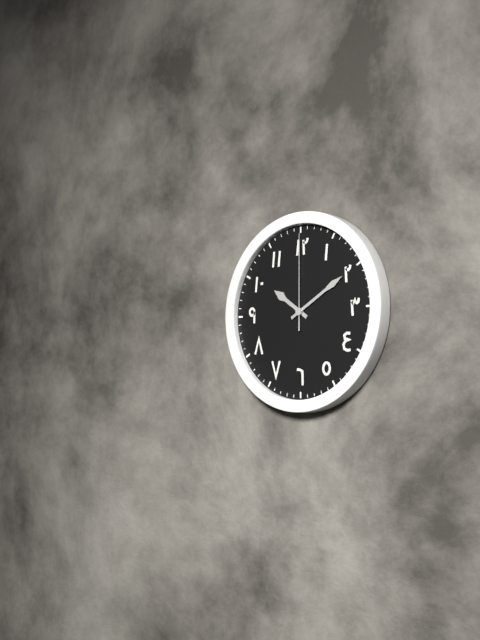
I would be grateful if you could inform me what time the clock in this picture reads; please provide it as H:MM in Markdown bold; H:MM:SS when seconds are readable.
**10:10:00**
